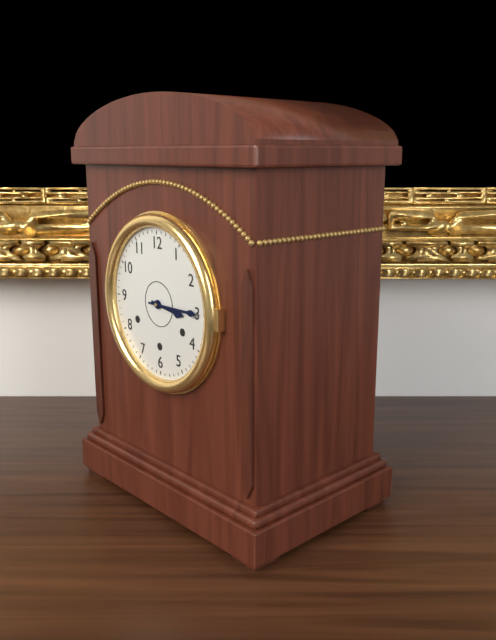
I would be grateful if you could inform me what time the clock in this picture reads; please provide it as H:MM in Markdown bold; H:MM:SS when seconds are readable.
**3:15**
